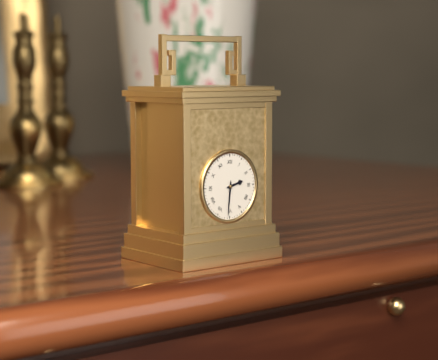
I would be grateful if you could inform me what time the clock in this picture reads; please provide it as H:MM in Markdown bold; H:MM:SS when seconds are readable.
**2:31**
